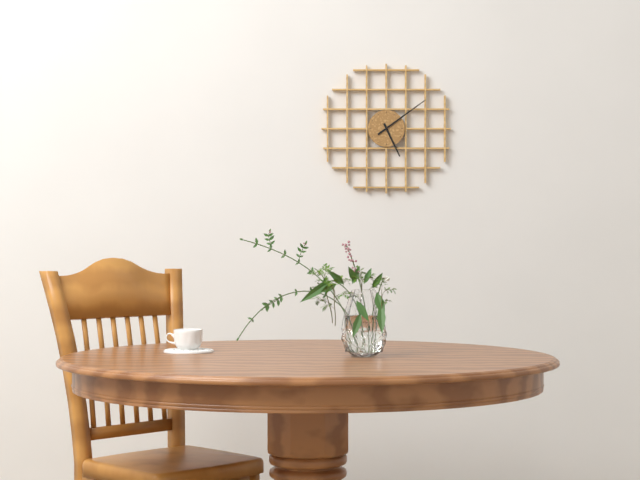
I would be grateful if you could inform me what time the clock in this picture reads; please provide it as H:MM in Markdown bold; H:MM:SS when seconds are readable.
**5:09**
